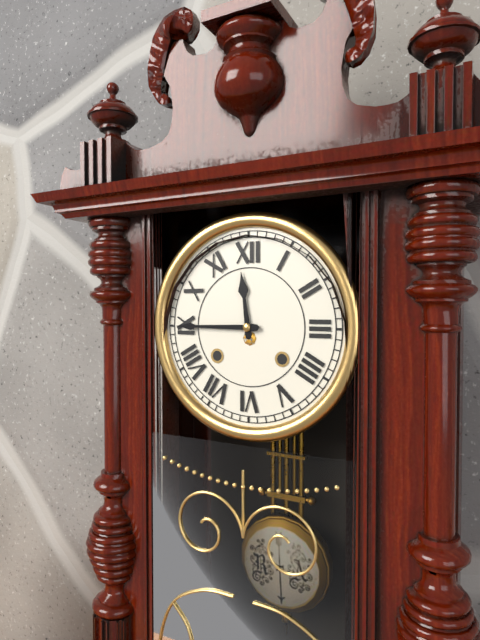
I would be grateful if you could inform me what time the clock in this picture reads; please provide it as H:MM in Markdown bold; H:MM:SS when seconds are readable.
**11:45**
